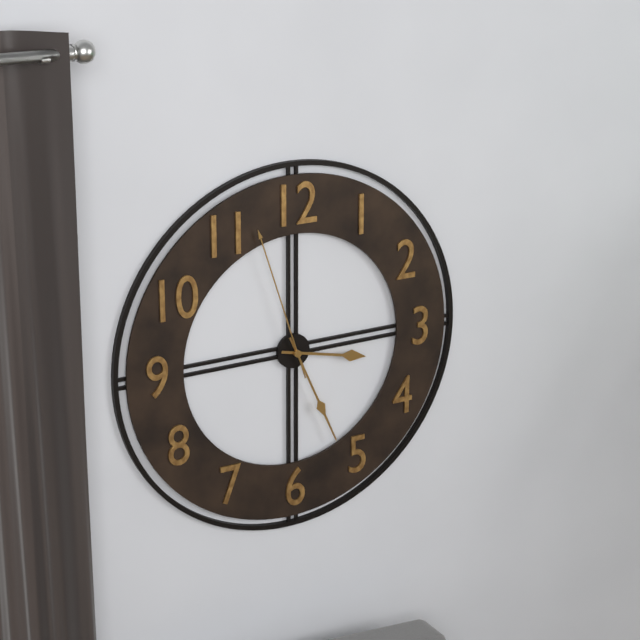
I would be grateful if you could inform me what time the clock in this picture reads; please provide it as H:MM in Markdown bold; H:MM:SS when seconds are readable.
**3:26:57**
